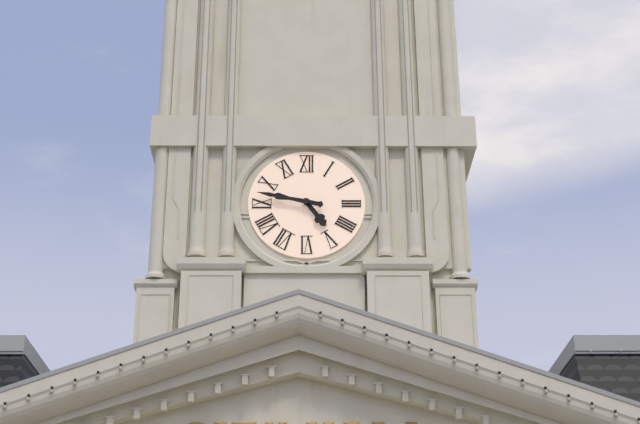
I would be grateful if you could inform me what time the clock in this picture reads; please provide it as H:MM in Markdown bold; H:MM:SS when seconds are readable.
**4:47**
